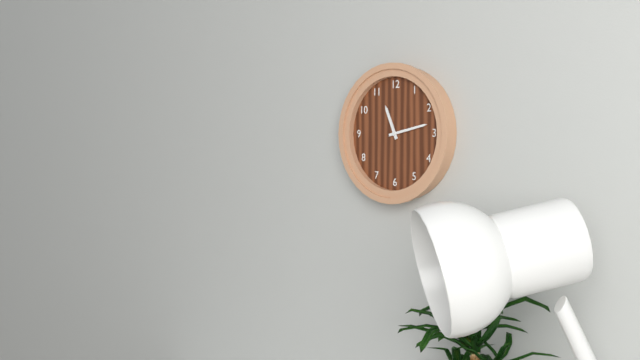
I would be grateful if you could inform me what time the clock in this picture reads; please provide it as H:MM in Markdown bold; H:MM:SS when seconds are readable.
**11:13**
